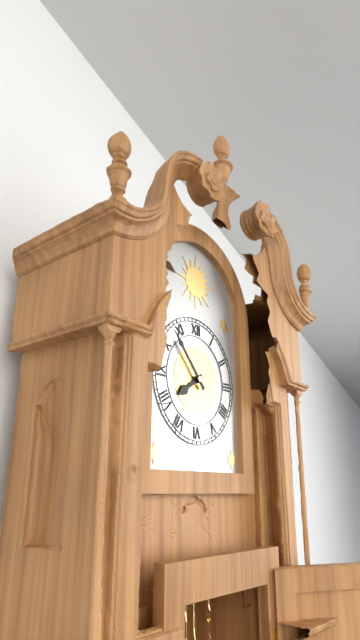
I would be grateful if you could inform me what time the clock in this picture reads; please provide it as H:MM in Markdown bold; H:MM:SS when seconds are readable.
**7:53**
